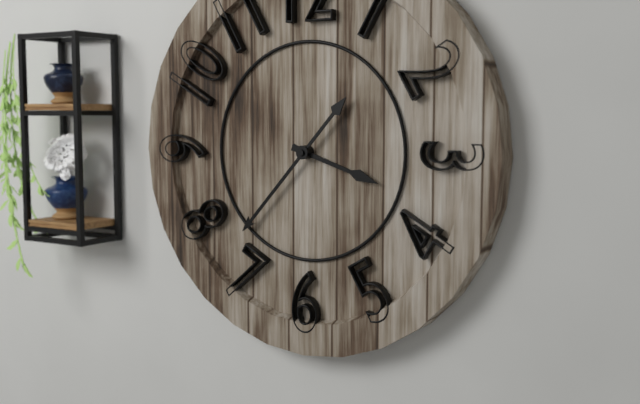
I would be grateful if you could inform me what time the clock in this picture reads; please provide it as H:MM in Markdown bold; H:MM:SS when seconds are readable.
**3:37**
